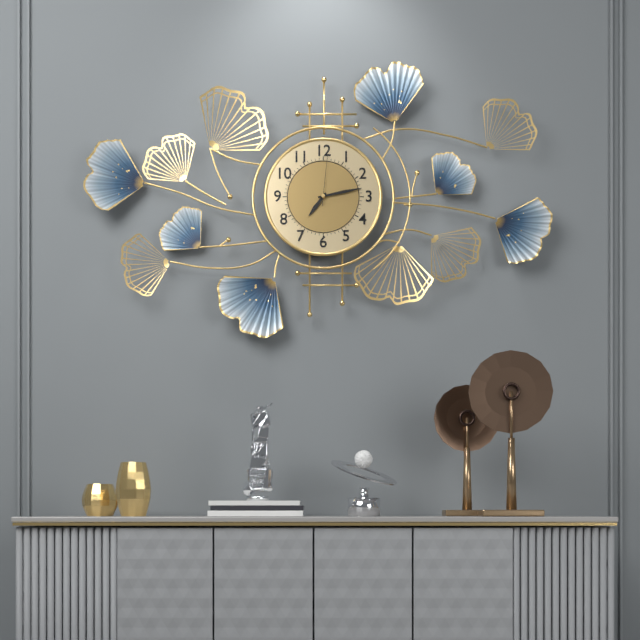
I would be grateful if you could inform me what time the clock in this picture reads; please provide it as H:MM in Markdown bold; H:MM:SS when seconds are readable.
**7:13:01**
